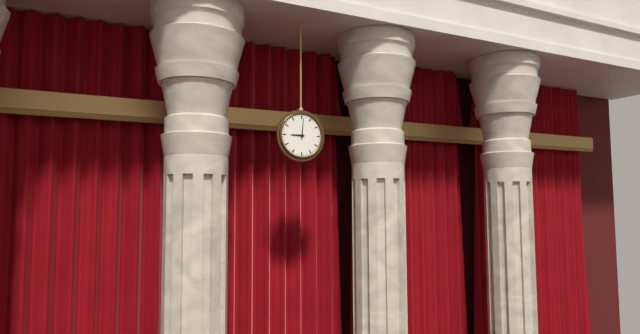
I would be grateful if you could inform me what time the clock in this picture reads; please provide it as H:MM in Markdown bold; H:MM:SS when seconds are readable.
**9:01**
